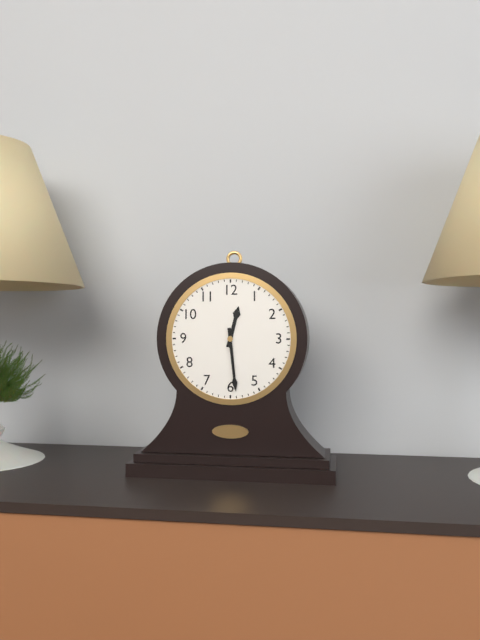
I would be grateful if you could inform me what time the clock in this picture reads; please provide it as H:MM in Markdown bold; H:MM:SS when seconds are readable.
**12:29**
